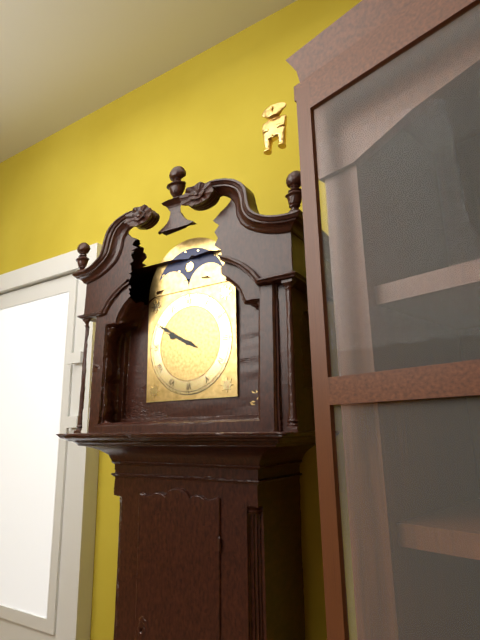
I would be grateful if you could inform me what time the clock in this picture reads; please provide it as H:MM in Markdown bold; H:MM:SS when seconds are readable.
**9:50**
